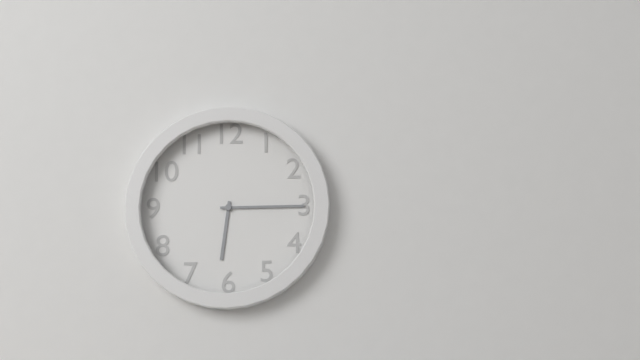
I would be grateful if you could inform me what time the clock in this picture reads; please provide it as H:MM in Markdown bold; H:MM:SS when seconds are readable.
**6:15**
